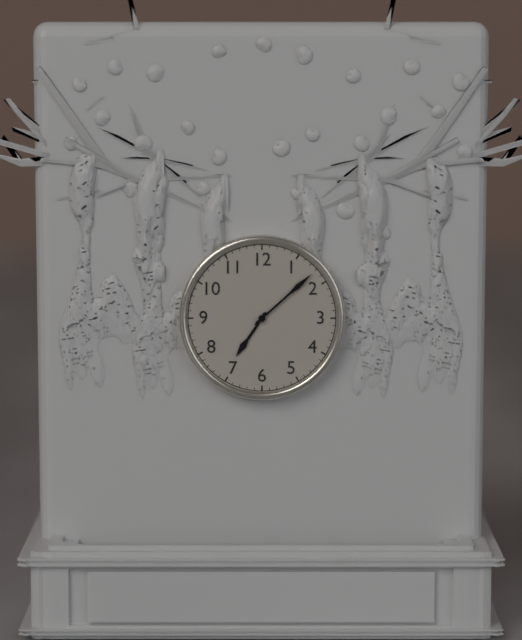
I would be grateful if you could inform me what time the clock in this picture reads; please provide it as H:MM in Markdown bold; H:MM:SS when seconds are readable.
**7:08**
